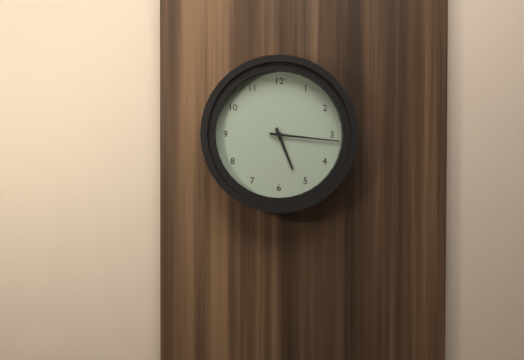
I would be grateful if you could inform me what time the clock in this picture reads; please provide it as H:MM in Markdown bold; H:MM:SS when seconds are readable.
**5:16**
